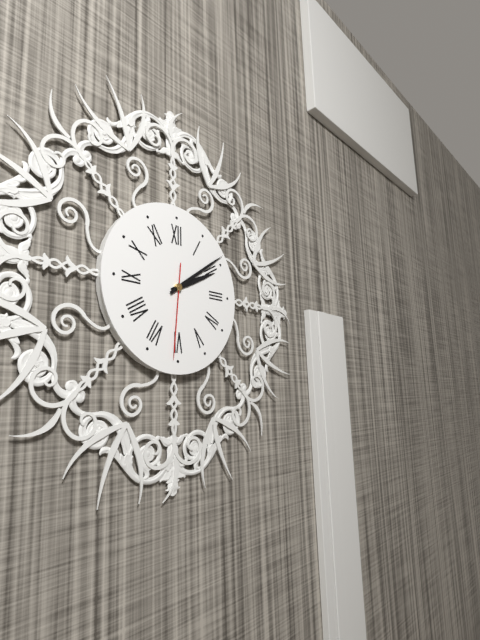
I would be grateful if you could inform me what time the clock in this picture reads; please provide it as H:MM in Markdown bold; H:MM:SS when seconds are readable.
**2:09:31**
